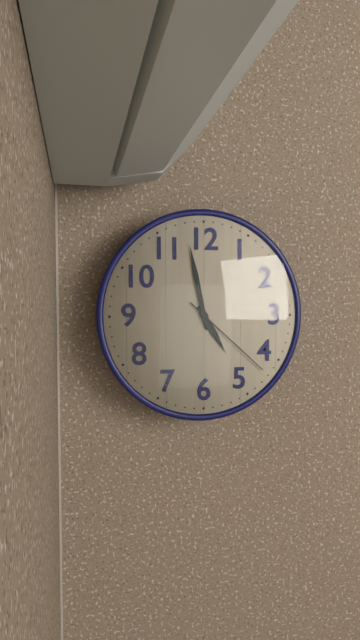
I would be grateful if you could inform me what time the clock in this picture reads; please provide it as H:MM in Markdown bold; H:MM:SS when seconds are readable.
**4:58:22**
